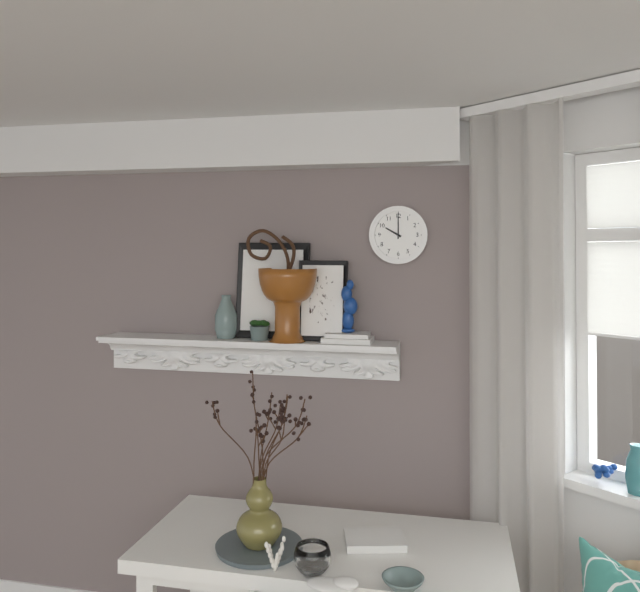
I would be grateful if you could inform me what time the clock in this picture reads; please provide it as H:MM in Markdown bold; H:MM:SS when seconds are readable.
**10:00**
